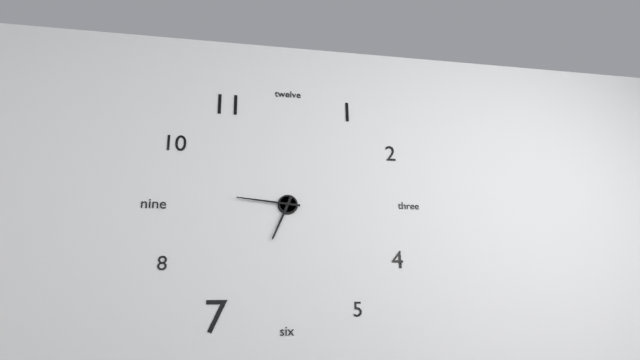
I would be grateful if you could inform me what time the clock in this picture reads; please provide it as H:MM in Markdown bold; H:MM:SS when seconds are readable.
**6:46**
